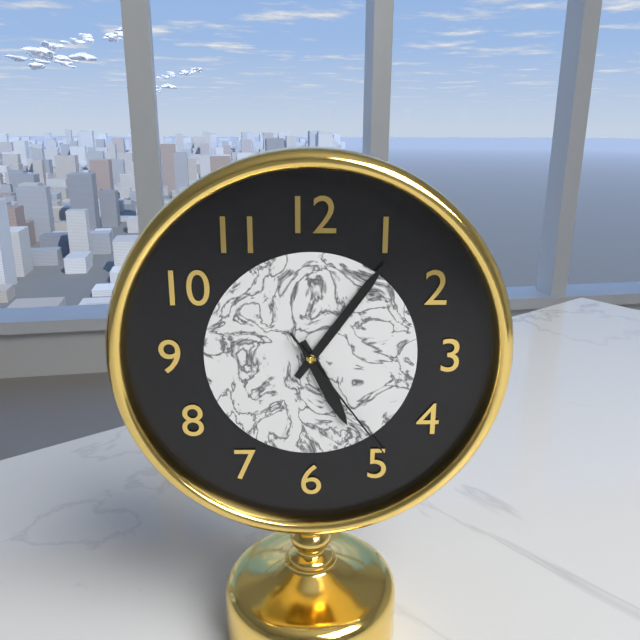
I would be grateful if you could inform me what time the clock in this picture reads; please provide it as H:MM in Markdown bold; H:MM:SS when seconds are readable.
**5:06:24**
